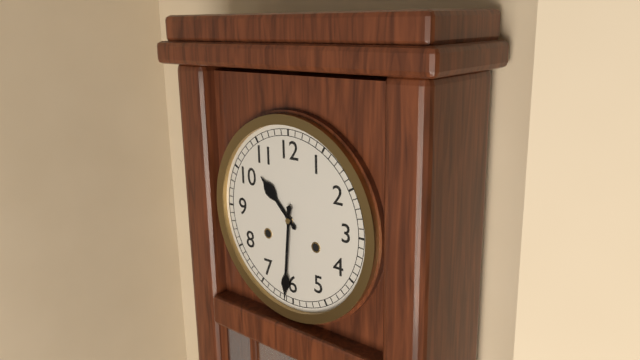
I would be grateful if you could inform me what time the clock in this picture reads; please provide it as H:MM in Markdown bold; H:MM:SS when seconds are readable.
**10:31**
